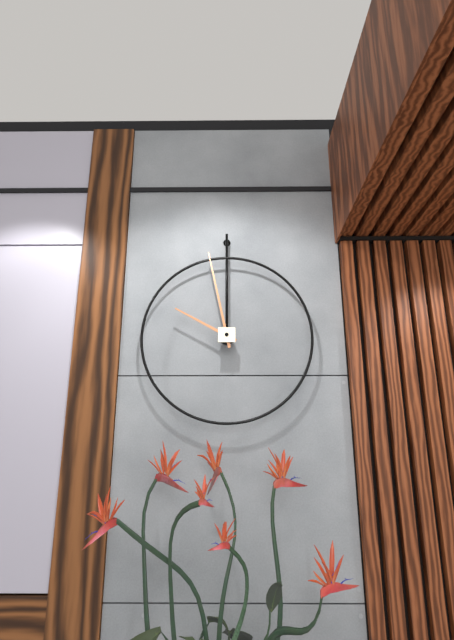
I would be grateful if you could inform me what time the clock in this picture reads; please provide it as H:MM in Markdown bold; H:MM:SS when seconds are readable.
**9:58**
